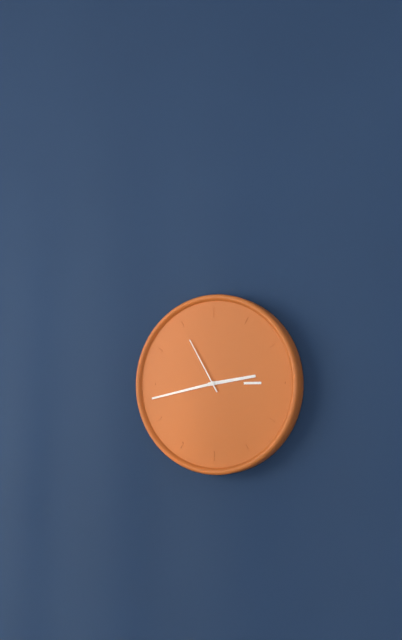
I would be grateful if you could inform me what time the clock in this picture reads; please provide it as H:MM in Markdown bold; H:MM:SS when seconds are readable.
**2:43:55**
